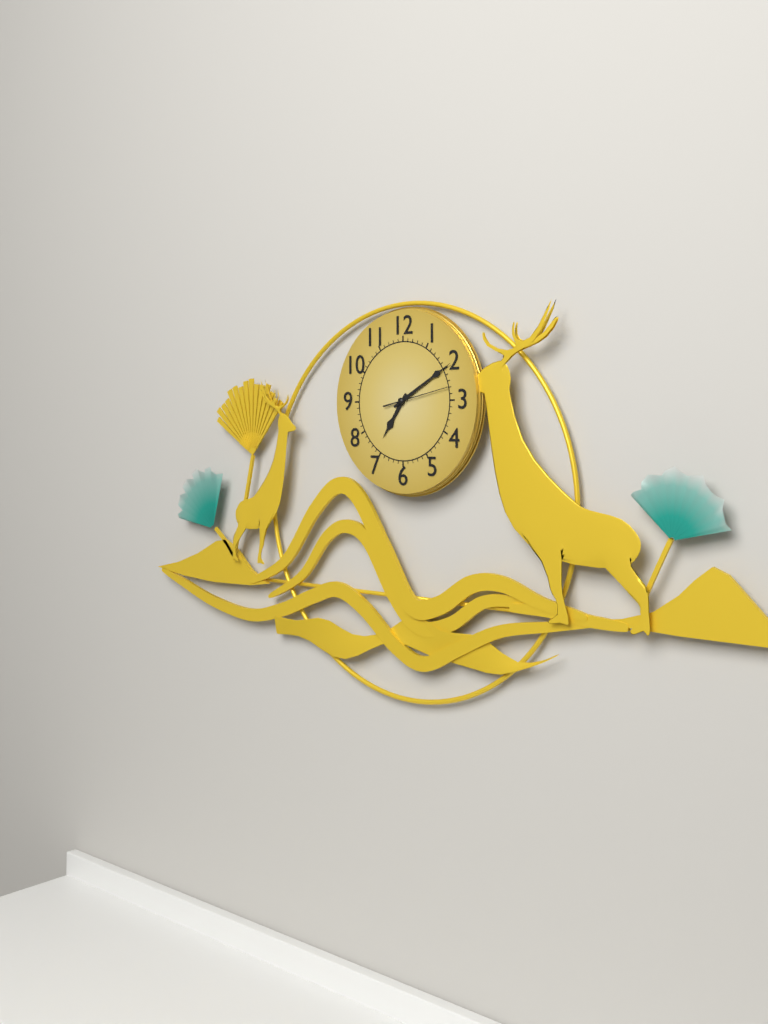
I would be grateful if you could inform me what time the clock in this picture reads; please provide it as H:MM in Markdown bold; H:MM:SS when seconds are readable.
**7:10**
